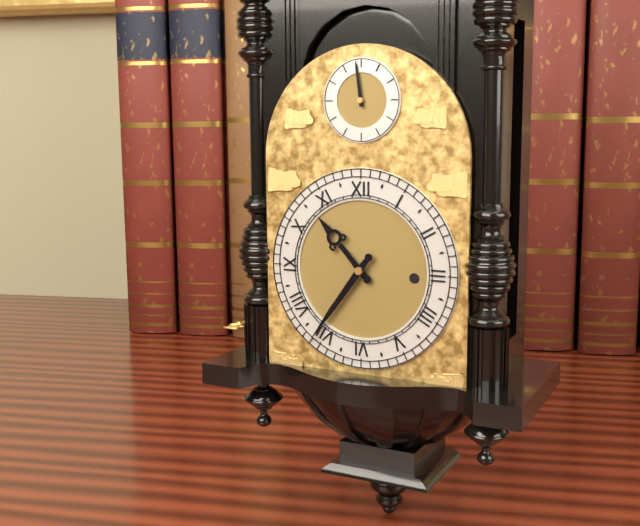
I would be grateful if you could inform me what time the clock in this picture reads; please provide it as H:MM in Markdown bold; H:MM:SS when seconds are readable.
**10:36**
